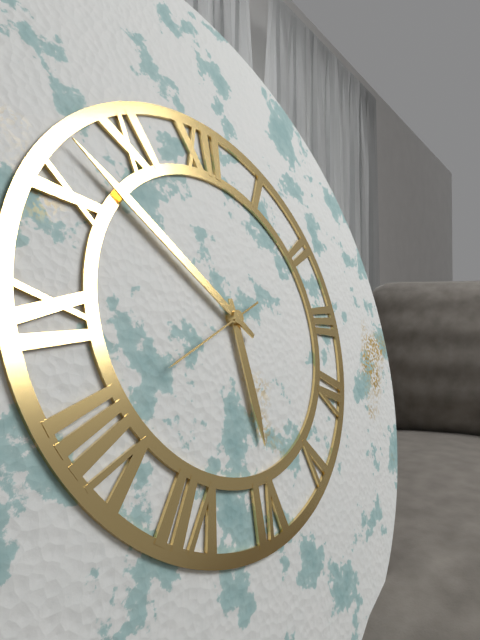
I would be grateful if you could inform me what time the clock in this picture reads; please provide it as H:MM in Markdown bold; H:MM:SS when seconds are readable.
**5:52:41**
